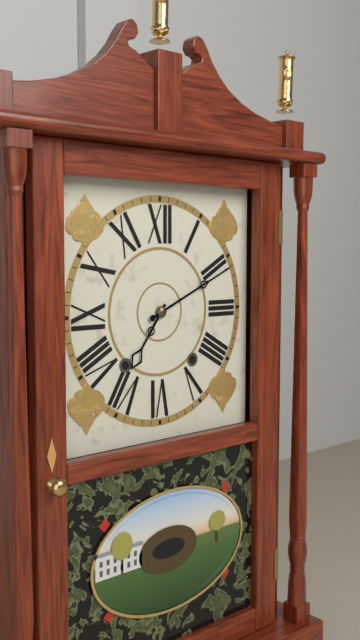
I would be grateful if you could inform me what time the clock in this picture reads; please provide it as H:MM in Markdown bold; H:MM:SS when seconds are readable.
**7:11**
